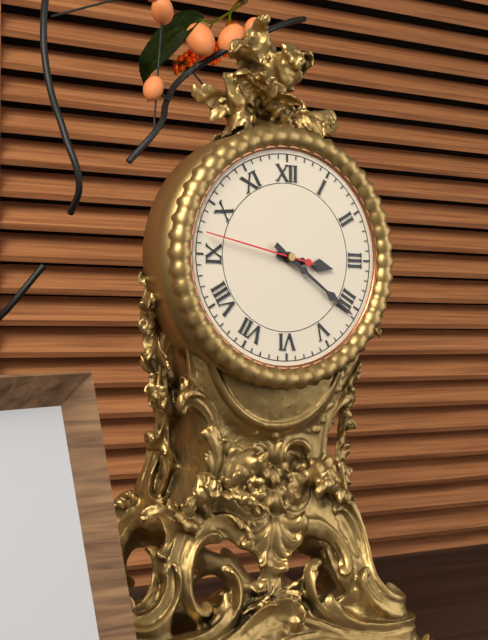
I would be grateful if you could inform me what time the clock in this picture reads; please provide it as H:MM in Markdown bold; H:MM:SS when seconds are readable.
**3:21:47**
